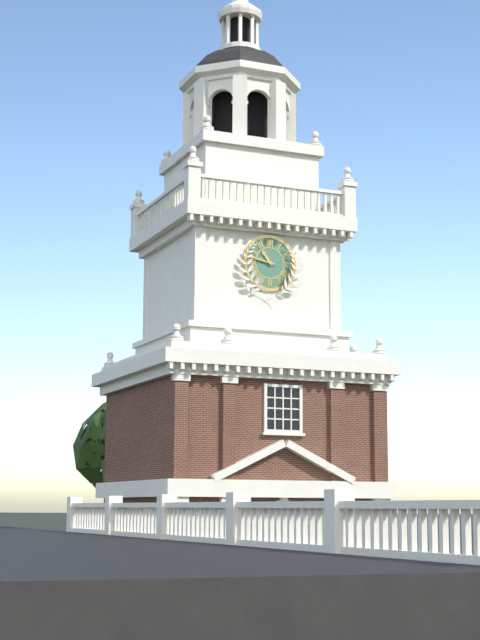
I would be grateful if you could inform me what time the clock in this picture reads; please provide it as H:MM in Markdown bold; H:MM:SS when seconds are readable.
**10:47**
